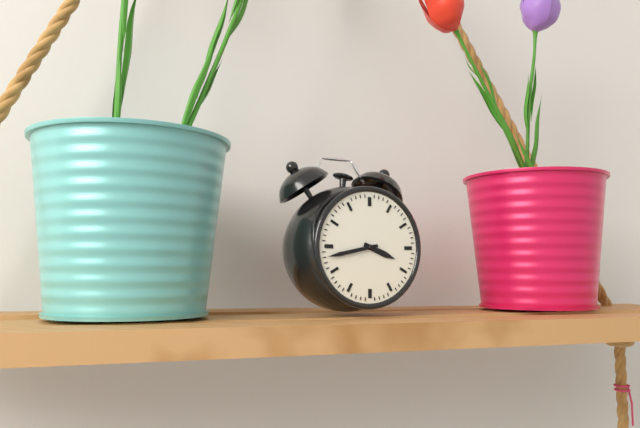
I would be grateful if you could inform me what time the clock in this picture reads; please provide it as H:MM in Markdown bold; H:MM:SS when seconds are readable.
**3:43**
